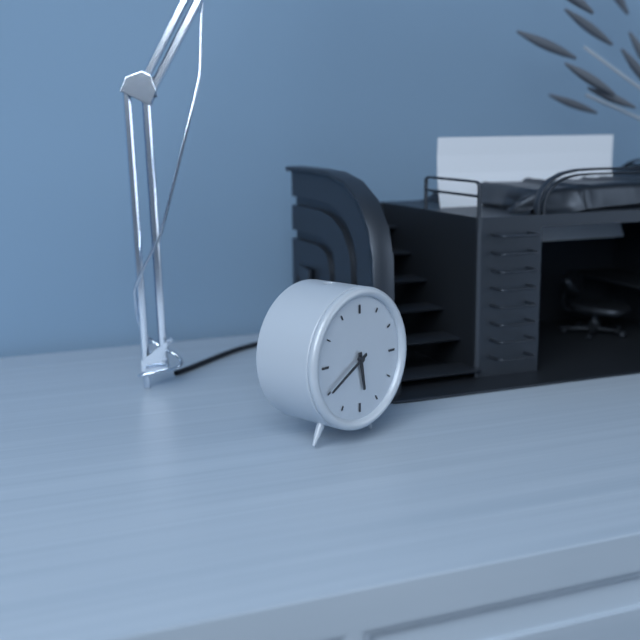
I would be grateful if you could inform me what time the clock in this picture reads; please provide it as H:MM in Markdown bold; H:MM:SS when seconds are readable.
**5:40**
